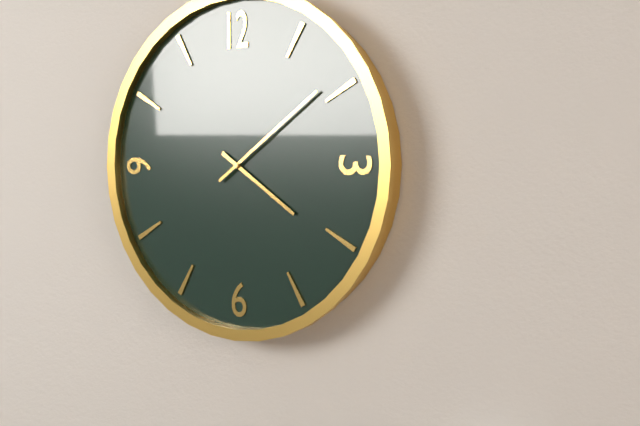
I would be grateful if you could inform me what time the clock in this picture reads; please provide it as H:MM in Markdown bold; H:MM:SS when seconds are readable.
**4:09**
